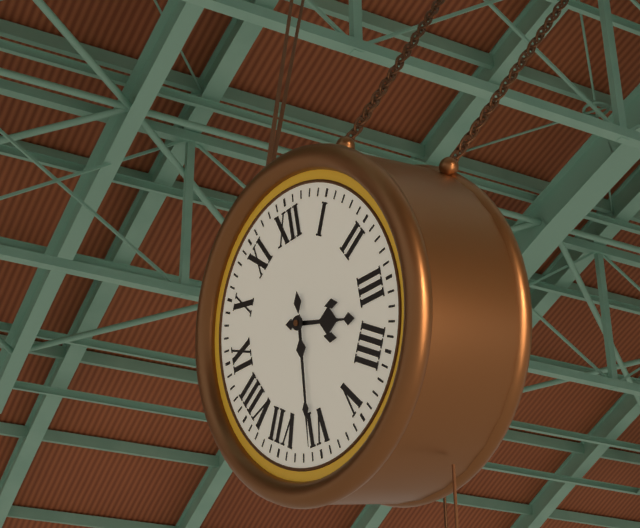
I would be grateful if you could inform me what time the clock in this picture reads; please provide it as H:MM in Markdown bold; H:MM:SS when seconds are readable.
**3:31**
